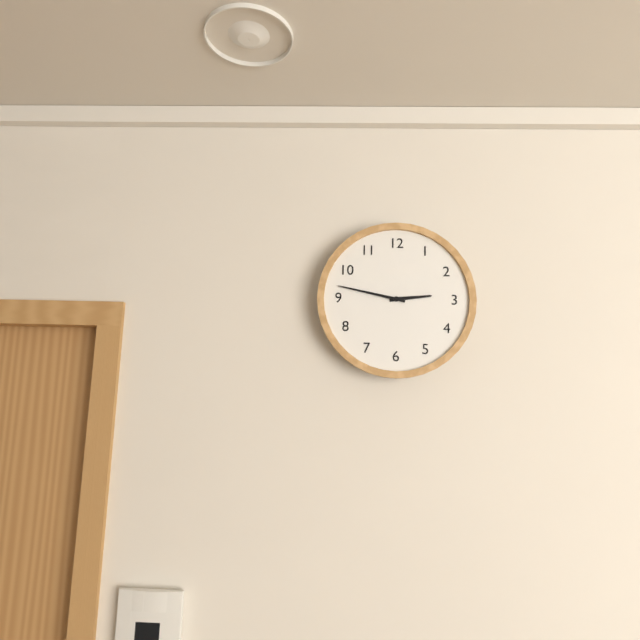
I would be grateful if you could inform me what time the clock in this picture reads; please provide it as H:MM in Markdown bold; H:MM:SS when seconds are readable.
**2:47**
